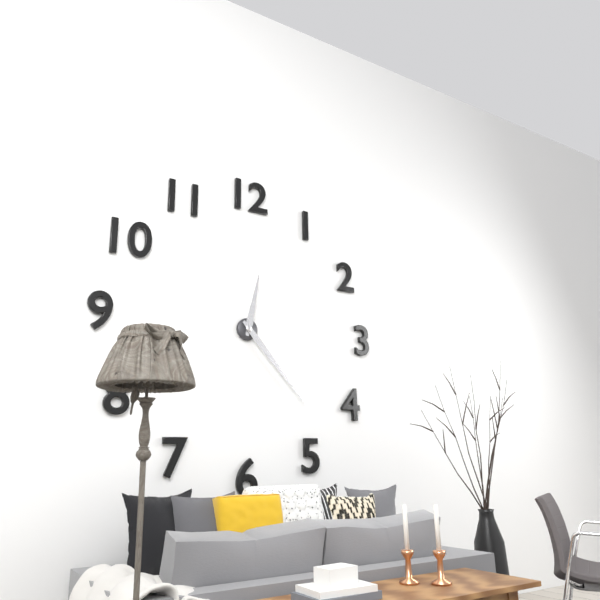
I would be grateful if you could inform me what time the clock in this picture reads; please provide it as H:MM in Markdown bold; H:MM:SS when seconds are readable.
**12:23**
